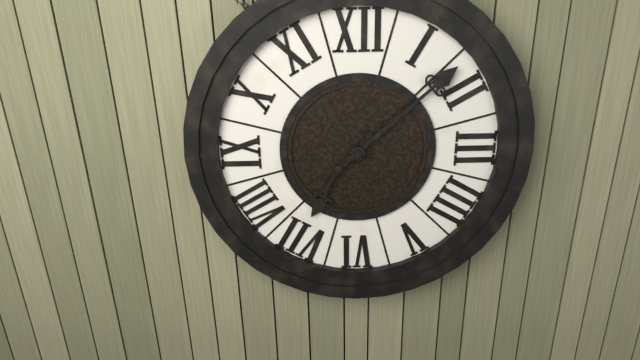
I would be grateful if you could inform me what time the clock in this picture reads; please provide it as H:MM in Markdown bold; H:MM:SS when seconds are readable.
**7:08**
